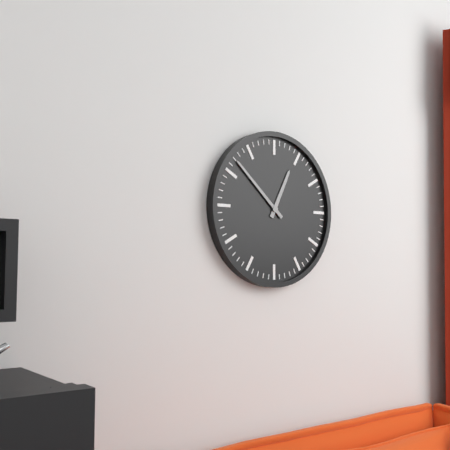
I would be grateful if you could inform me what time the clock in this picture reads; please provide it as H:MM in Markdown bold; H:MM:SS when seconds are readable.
**12:52**
